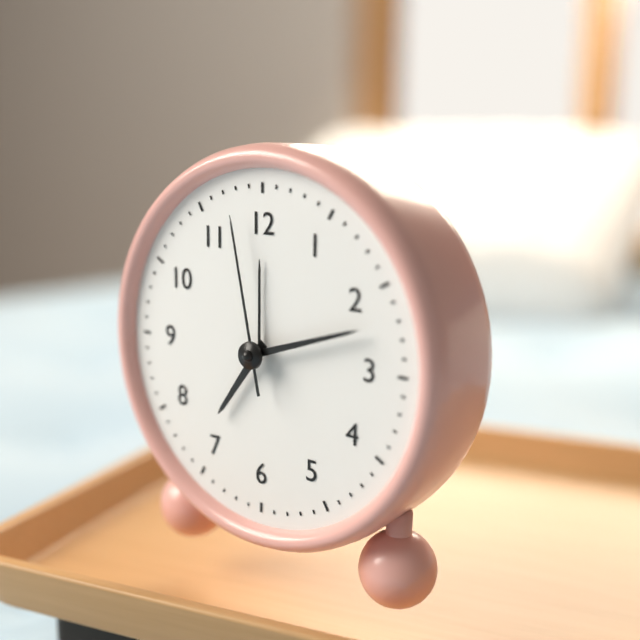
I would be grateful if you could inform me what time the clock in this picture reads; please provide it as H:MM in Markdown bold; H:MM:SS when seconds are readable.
**7:12:58**
